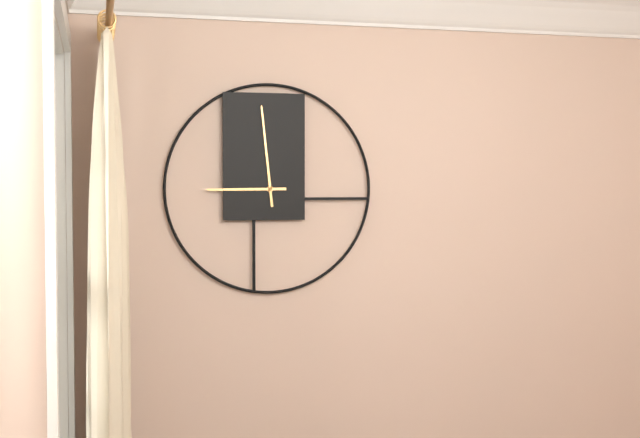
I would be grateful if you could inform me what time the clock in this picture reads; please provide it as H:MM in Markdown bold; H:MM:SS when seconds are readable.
**8:59**
